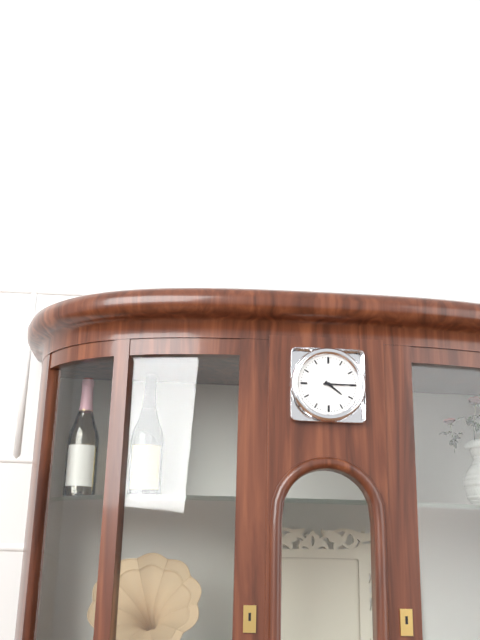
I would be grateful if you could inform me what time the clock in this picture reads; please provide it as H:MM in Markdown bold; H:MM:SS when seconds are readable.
**4:15**
